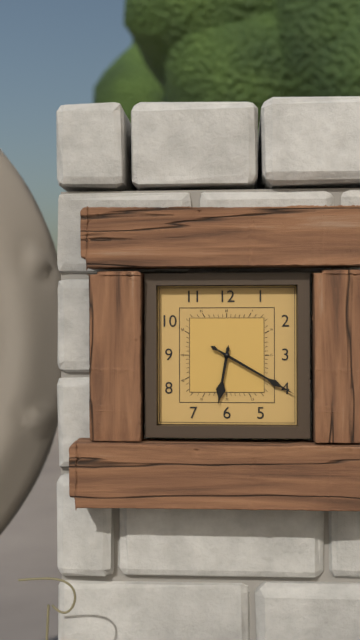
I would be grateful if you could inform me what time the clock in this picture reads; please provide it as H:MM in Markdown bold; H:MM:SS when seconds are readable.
**6:20**
